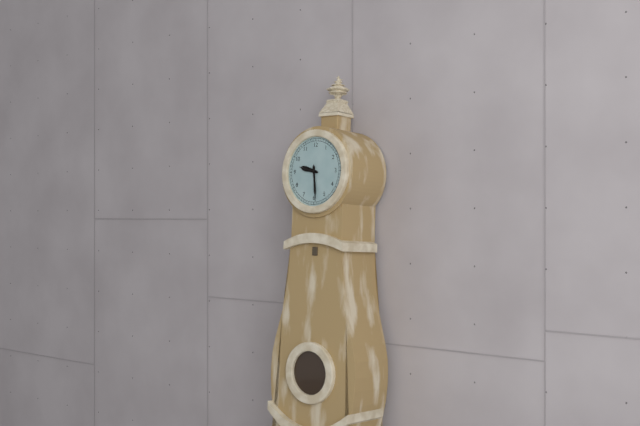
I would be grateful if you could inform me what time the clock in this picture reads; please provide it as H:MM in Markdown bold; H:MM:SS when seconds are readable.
**9:29**
